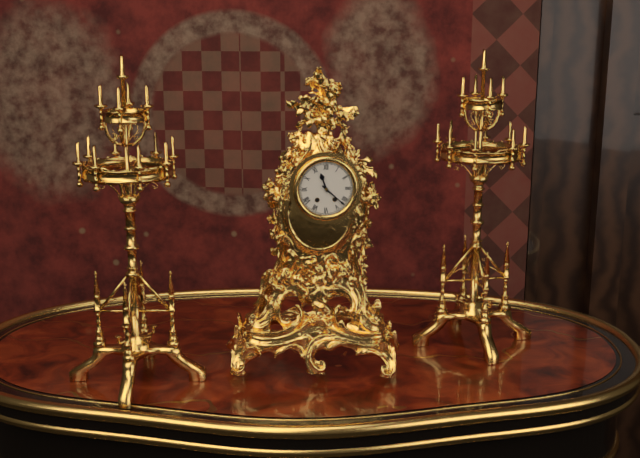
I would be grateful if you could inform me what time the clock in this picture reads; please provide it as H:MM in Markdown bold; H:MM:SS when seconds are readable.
**11:22**
